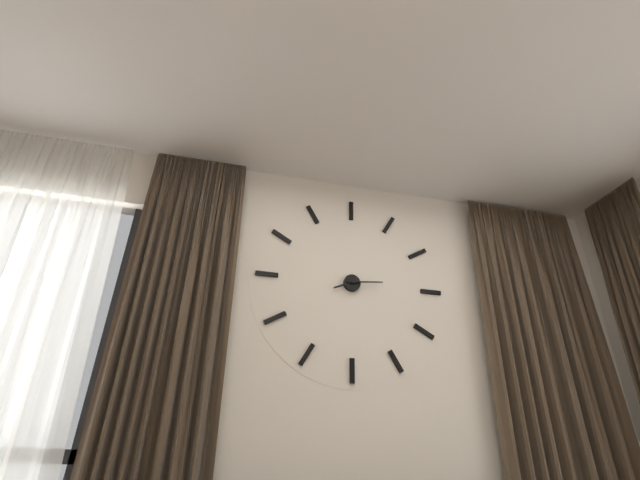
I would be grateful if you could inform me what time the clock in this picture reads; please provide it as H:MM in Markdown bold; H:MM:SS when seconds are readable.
**8:14**
